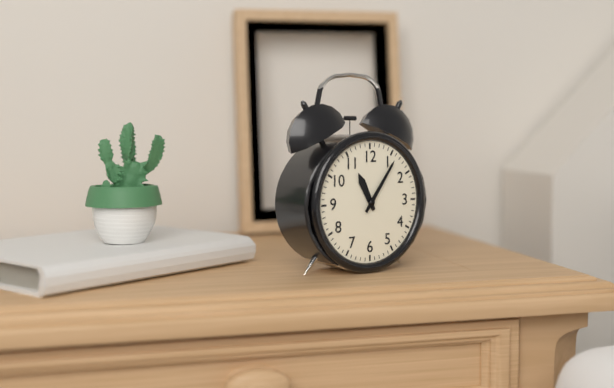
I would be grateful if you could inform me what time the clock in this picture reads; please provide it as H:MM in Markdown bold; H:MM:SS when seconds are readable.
**11:06**
